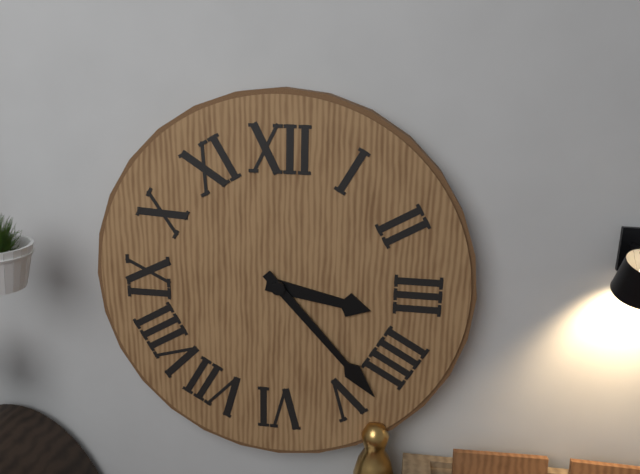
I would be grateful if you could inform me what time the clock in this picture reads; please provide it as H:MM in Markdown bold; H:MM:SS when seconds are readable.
**3:23**
